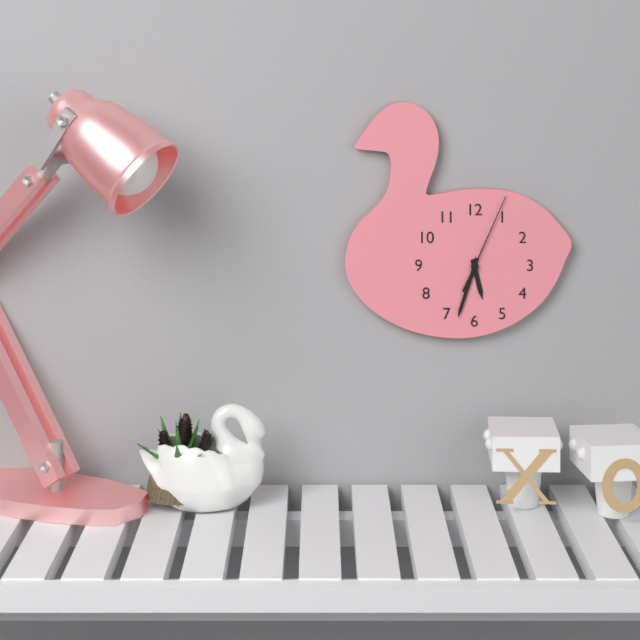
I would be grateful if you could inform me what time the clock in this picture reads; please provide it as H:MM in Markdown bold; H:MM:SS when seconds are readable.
**5:33:04**
